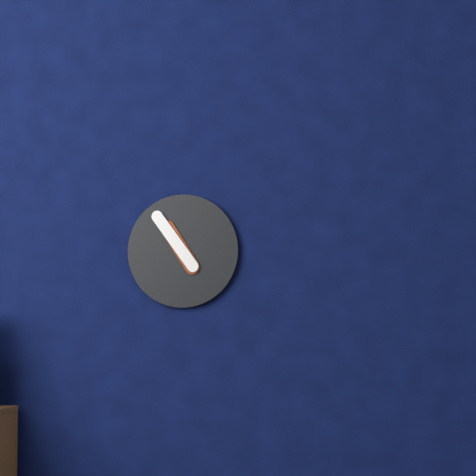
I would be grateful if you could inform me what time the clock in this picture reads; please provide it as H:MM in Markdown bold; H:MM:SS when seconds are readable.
**10:54**
